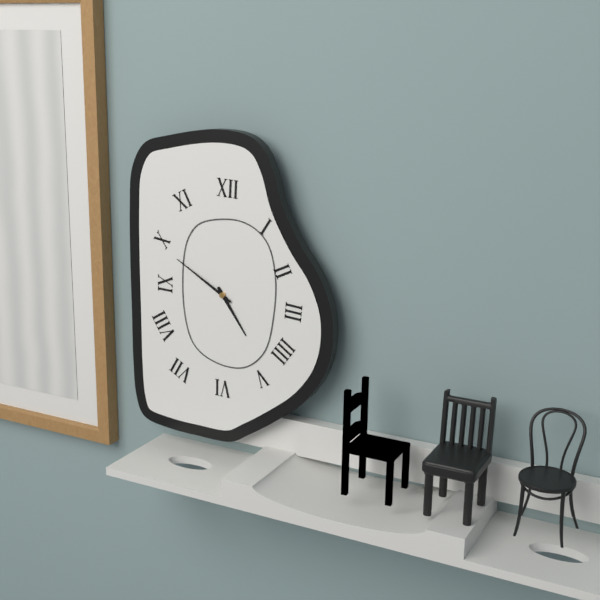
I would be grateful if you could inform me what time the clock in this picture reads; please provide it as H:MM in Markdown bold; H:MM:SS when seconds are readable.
**4:50**
